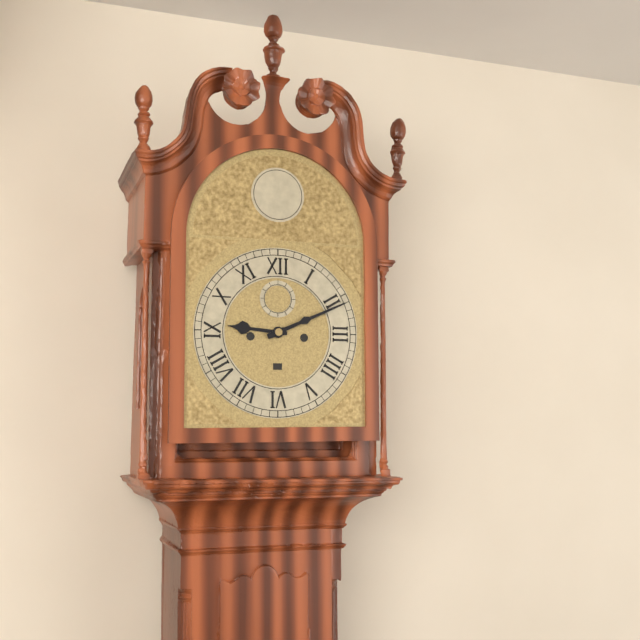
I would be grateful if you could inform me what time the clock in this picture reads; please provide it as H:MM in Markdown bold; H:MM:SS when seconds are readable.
**9:11**
